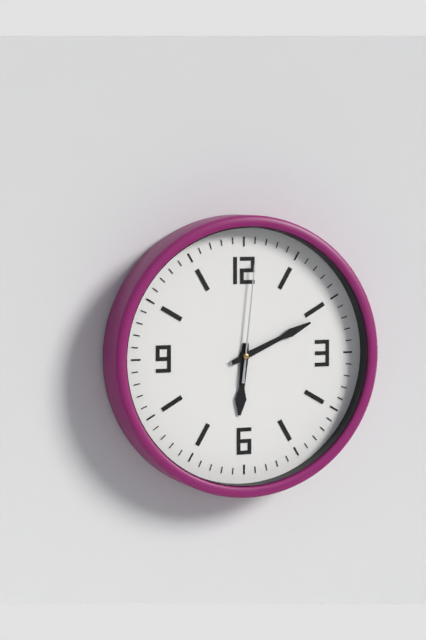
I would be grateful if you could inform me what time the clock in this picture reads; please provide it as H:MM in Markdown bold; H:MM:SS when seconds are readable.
**6:11:01**
